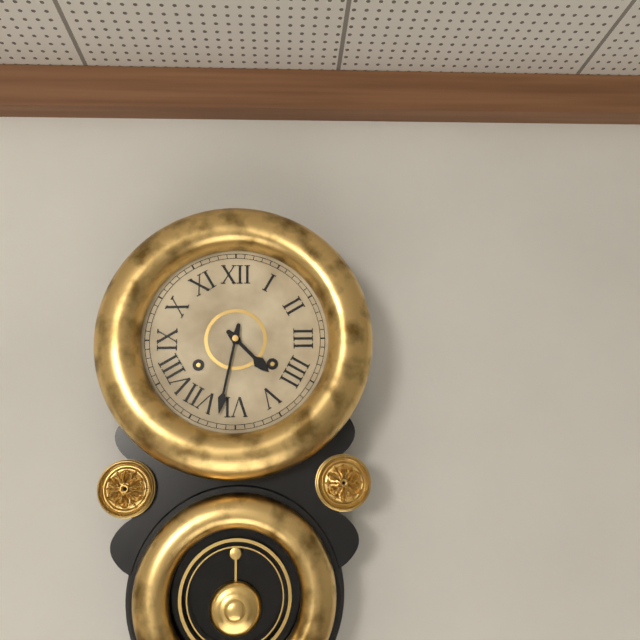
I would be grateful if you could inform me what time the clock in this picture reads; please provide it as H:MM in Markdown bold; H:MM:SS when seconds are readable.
**4:32**
